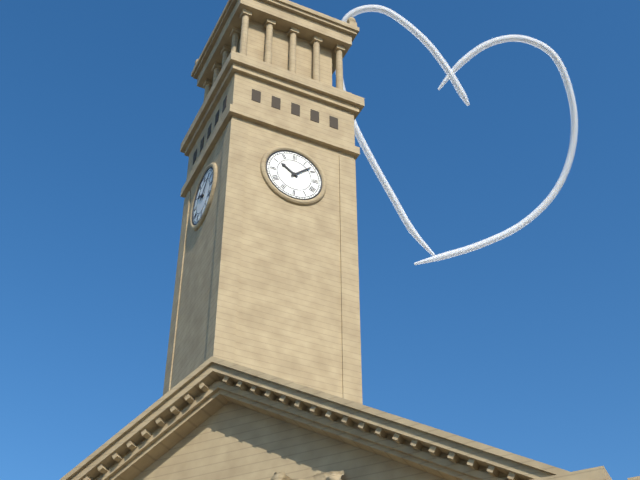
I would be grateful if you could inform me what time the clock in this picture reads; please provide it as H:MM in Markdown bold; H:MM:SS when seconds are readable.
**10:08**
